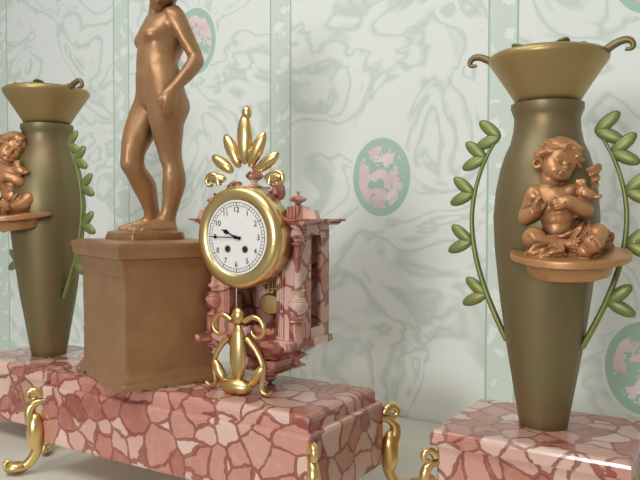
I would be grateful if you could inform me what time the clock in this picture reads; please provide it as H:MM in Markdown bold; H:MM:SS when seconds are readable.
**9:45**
